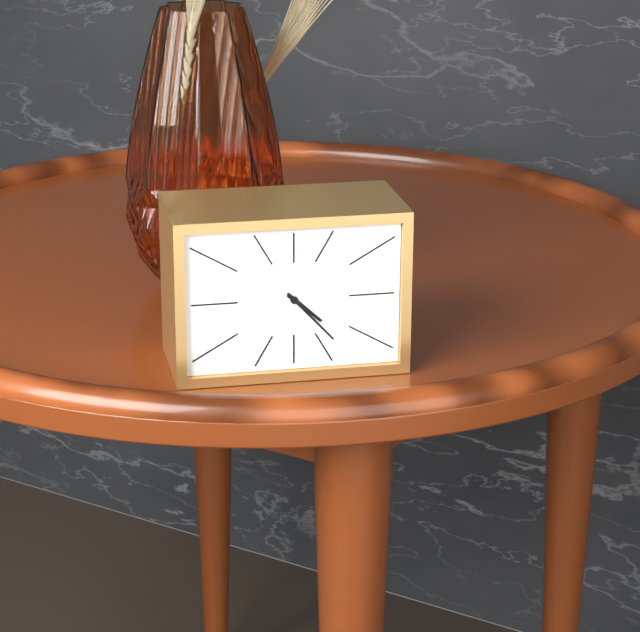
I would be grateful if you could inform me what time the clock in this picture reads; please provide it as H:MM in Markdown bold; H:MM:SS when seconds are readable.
**4:23**
